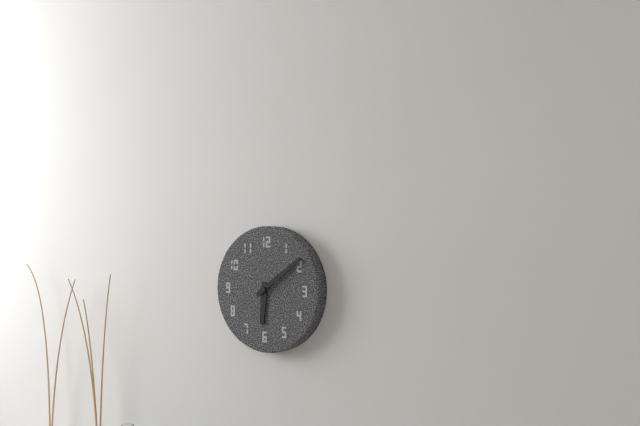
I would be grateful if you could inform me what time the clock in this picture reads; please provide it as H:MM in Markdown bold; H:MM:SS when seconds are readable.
**6:09**
